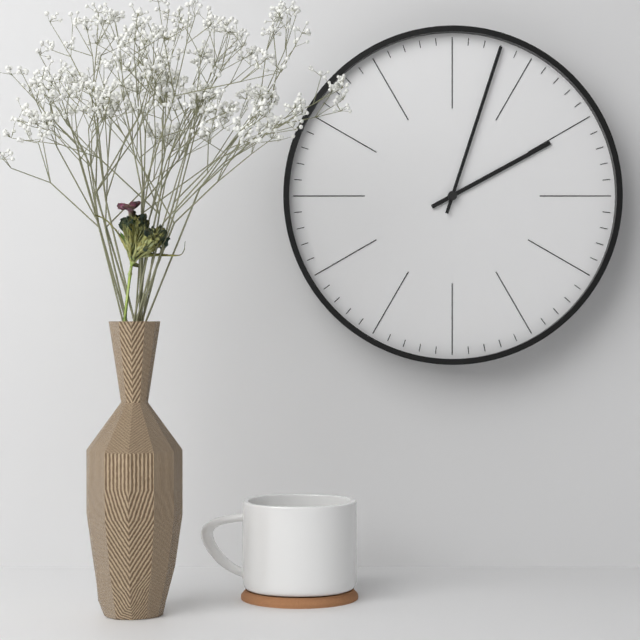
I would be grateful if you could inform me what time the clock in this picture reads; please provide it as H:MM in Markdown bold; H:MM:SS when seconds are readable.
**2:03**
